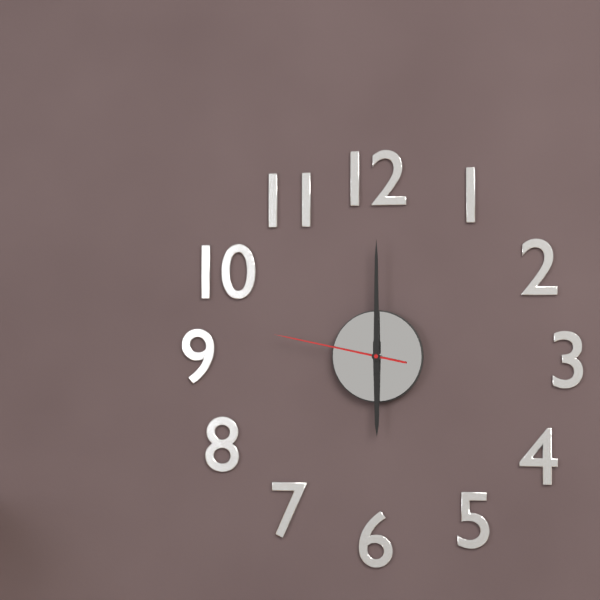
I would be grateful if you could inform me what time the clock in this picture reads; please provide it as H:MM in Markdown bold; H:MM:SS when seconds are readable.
**6:00:47**
